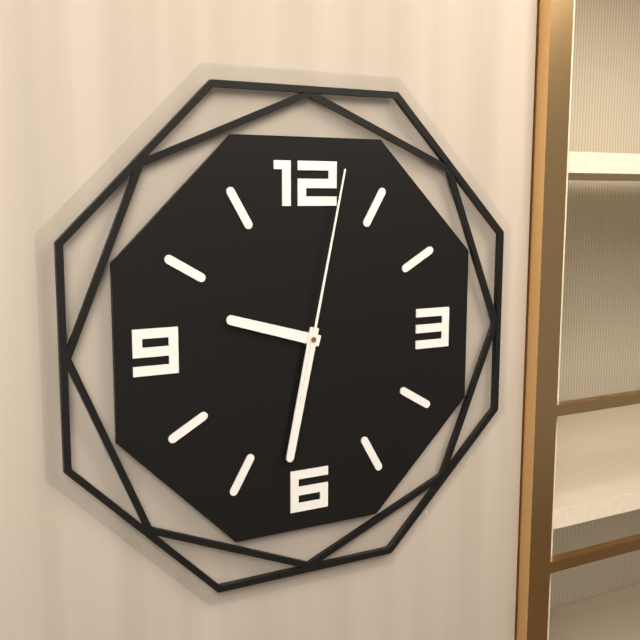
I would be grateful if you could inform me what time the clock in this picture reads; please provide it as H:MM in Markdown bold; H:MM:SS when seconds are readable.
**9:32:02**
